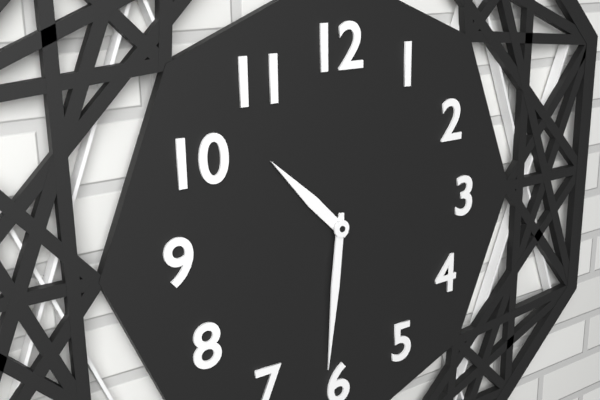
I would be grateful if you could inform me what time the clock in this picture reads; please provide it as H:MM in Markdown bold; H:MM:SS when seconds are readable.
**10:31**
